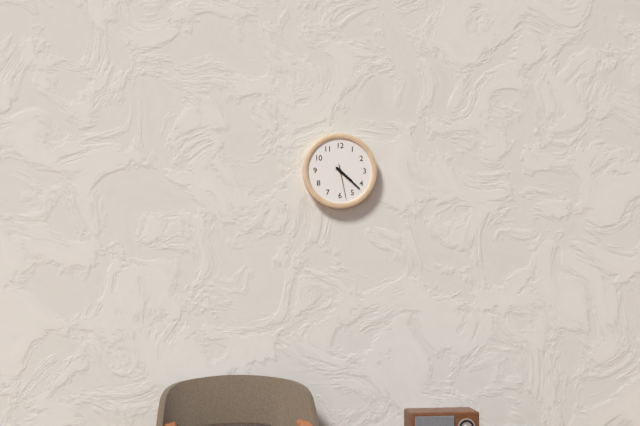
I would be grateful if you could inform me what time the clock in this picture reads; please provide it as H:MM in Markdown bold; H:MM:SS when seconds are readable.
**4:22**
